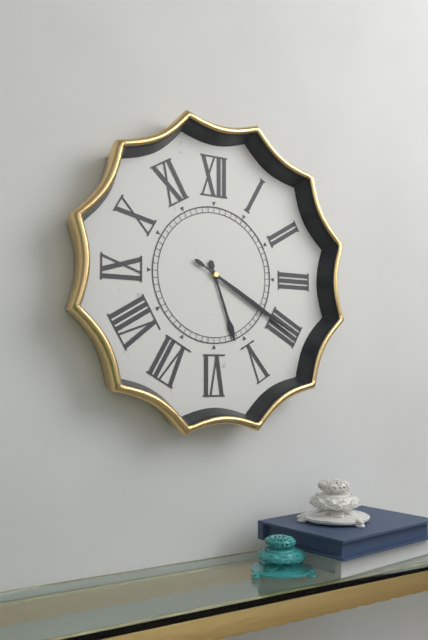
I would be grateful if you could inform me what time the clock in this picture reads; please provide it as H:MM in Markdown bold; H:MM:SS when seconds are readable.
**5:20**
